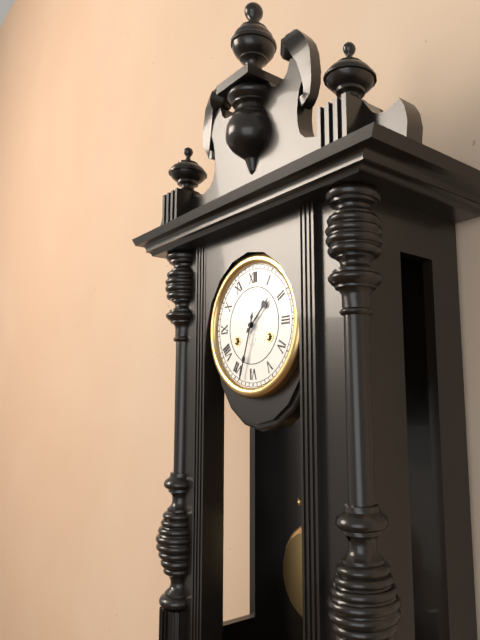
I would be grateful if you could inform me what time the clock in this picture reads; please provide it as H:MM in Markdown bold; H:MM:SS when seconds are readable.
**1:33**
